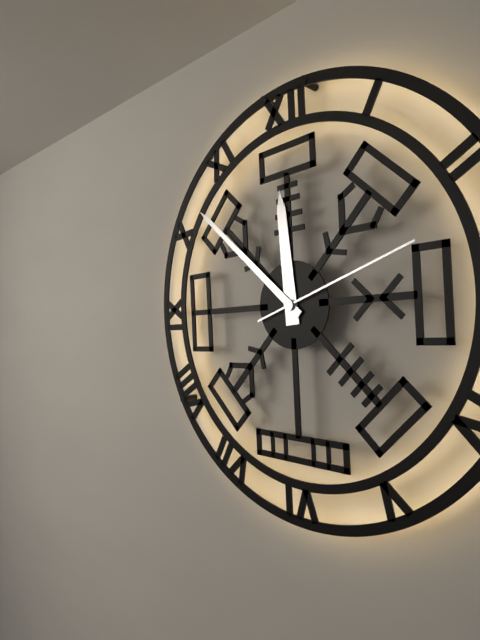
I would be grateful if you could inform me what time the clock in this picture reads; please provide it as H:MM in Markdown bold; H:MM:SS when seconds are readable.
**11:52:12**
